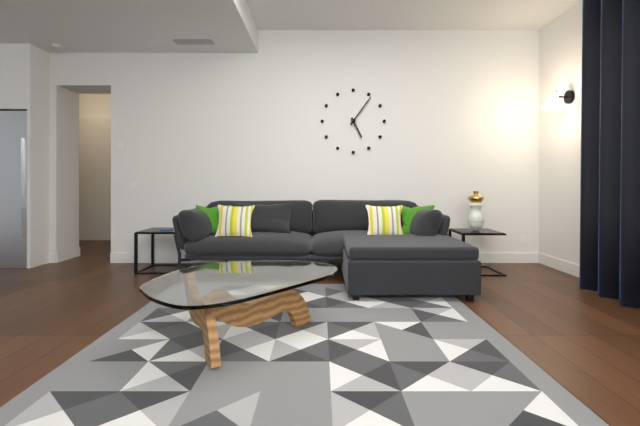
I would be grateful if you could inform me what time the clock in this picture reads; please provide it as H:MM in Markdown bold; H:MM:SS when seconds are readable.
**5:06**
